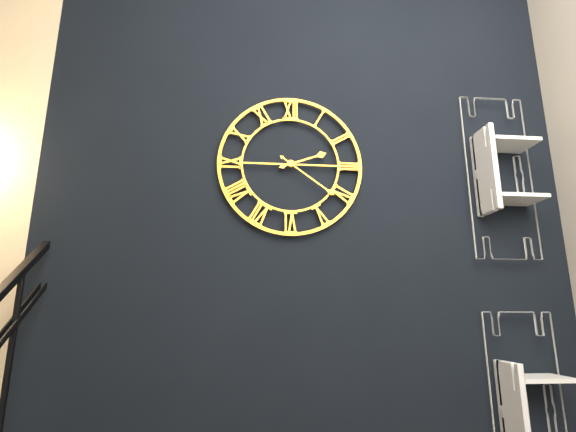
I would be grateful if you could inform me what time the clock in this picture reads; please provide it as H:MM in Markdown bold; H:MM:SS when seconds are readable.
**2:21**
